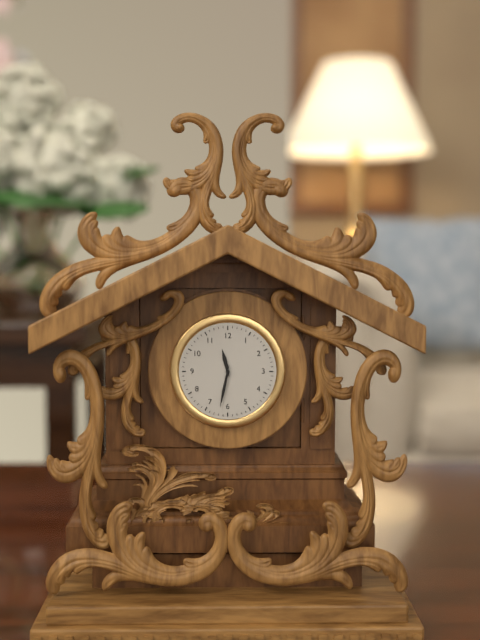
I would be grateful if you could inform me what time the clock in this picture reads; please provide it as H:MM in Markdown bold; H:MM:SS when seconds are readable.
**11:32**
